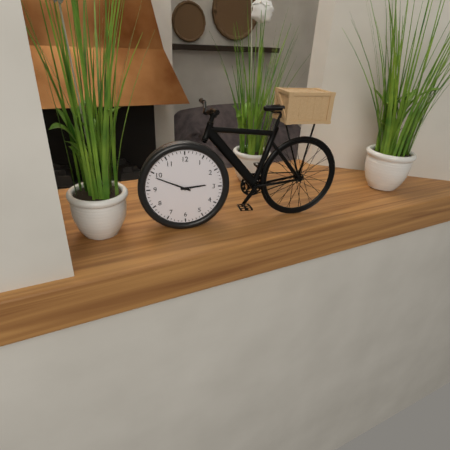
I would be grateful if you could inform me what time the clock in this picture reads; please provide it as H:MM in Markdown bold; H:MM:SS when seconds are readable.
**2:49**
